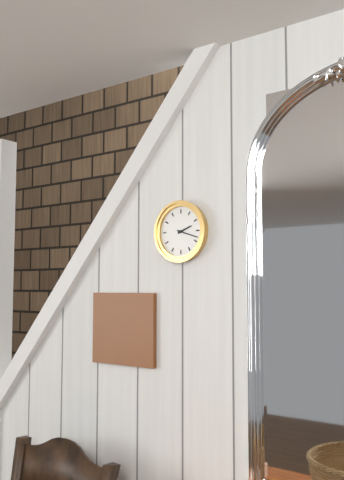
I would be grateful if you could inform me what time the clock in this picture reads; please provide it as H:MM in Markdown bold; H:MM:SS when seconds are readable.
**2:18**
